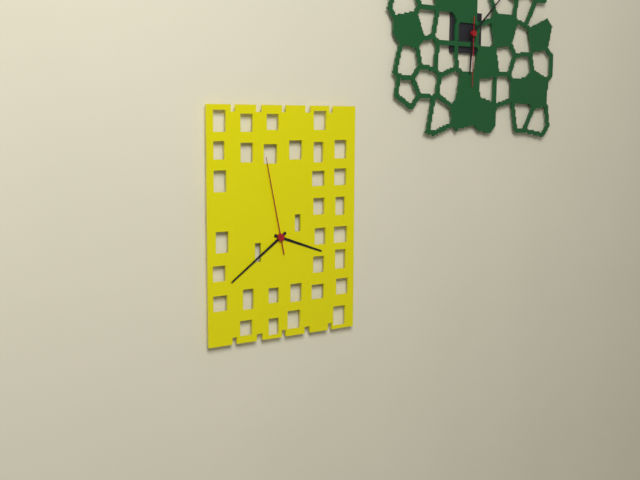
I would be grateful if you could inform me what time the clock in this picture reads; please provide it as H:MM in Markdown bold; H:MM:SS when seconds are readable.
**3:39:58**
